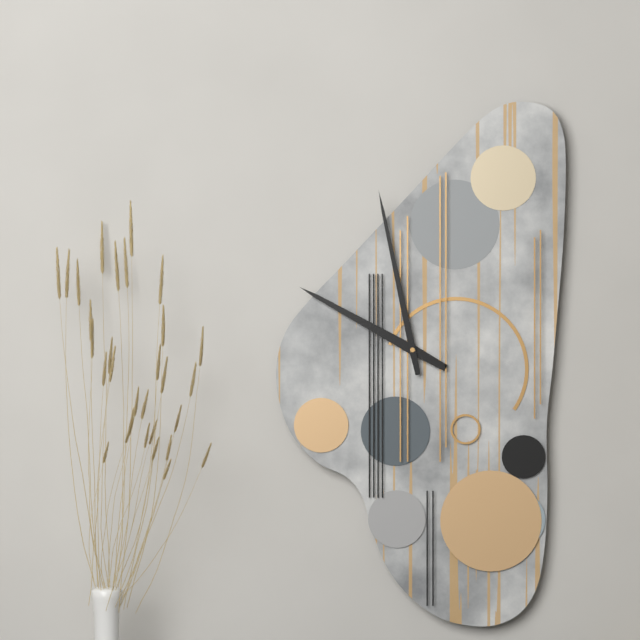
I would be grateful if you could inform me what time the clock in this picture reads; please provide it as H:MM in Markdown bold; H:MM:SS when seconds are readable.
**9:58**
